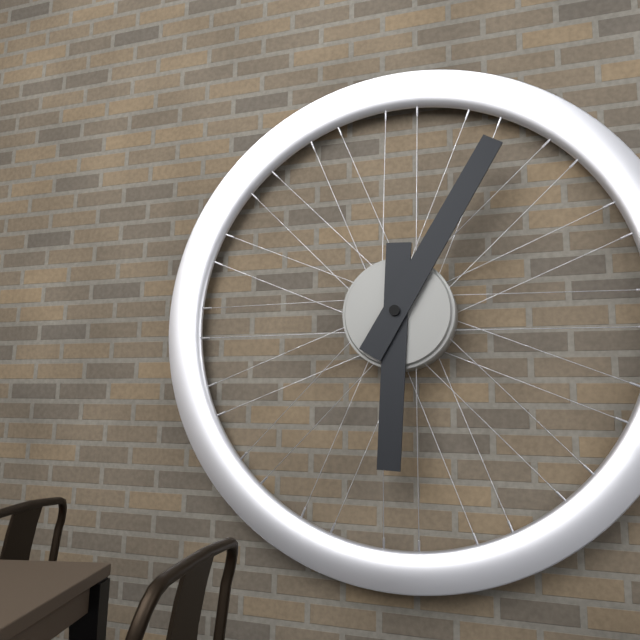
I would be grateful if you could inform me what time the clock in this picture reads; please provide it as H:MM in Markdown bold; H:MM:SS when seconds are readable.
**6:05**
